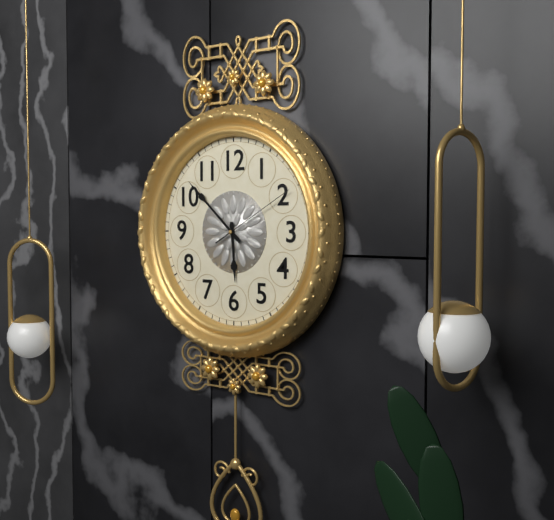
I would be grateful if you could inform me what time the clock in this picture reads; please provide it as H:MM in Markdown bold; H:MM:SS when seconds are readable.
**5:52:10**
